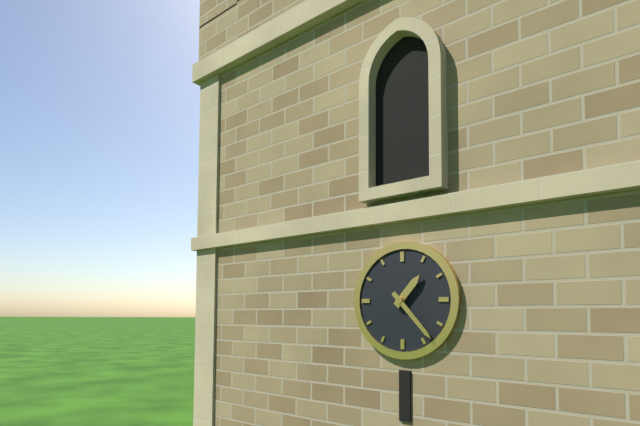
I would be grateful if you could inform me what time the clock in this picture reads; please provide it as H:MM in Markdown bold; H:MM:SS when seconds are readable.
**1:23**
